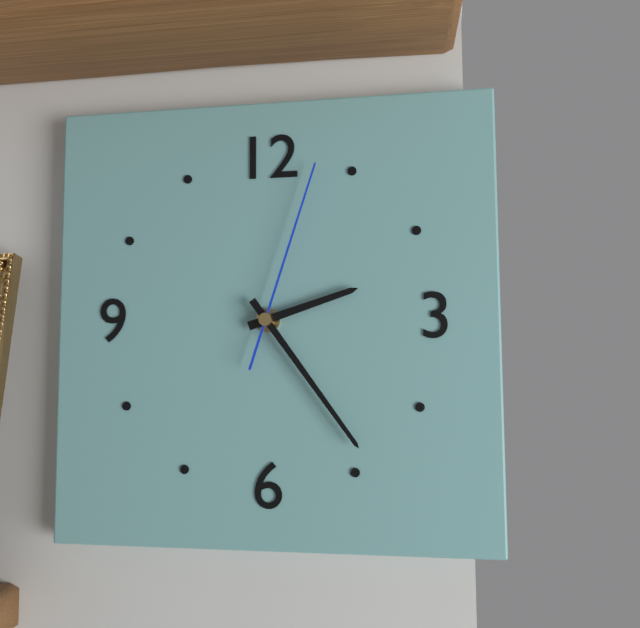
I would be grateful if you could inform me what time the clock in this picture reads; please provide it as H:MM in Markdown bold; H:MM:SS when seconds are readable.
**2:24:03**
